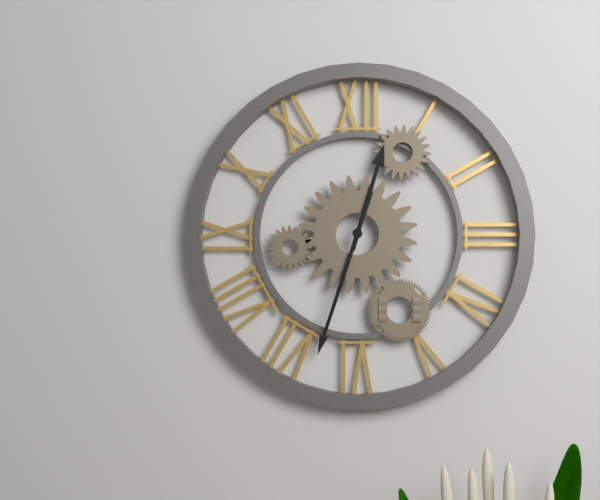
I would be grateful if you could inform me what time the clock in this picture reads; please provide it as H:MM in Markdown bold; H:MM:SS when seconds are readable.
**12:33**
